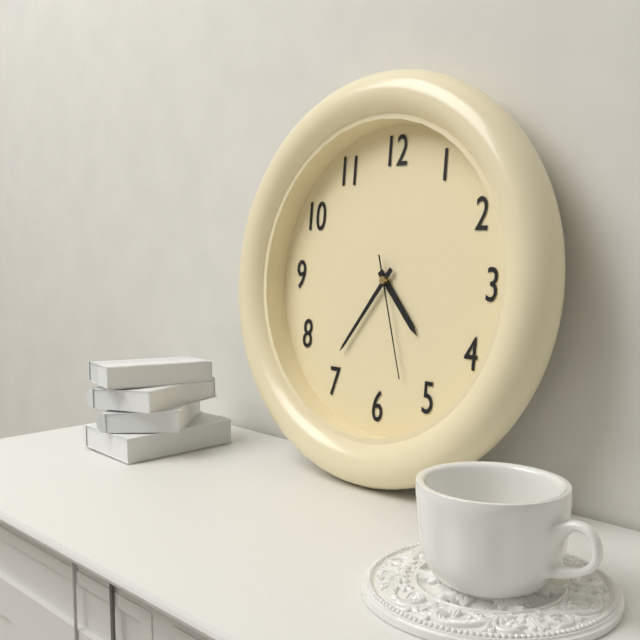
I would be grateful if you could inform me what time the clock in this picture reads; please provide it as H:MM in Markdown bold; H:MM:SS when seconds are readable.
**4:36:27**
